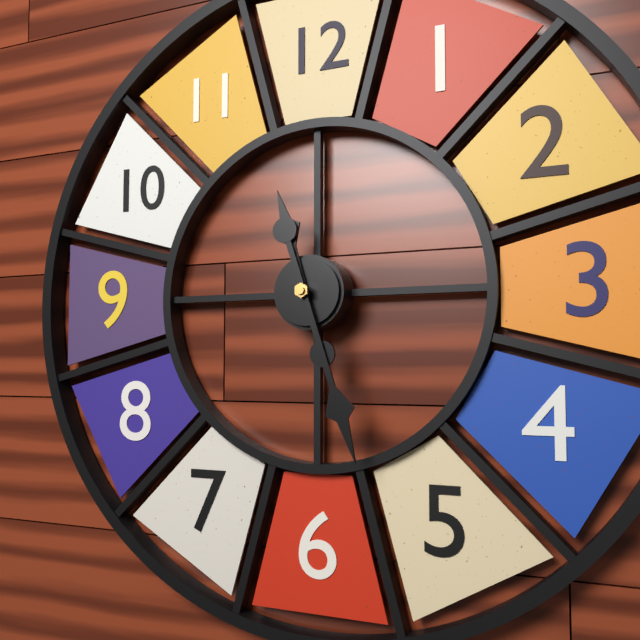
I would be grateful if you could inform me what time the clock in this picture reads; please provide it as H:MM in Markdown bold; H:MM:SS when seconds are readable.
**11:27**
